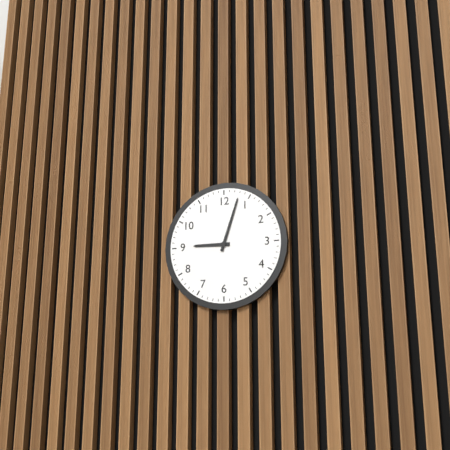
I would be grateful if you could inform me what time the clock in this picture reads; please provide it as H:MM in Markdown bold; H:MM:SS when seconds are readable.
**9:03**
